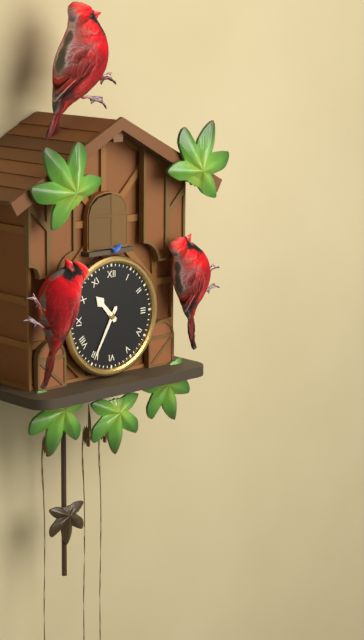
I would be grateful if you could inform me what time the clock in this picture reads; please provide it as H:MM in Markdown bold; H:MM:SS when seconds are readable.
**10:35**
